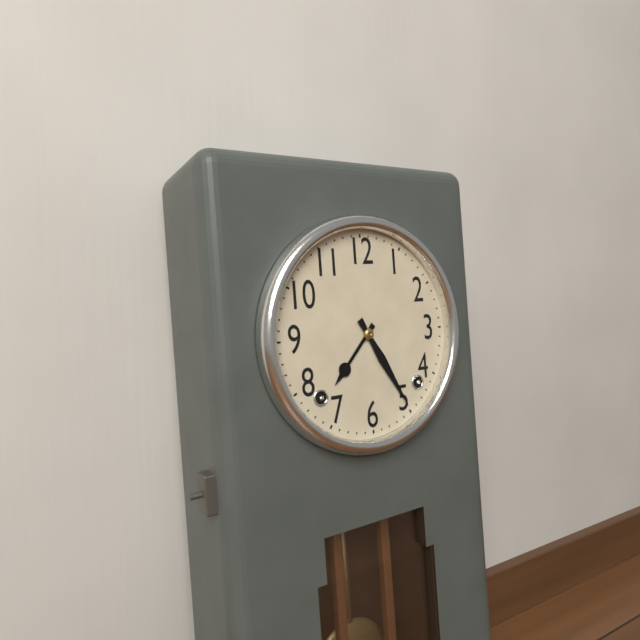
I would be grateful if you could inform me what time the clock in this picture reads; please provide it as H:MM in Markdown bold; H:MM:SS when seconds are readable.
**7:25**
